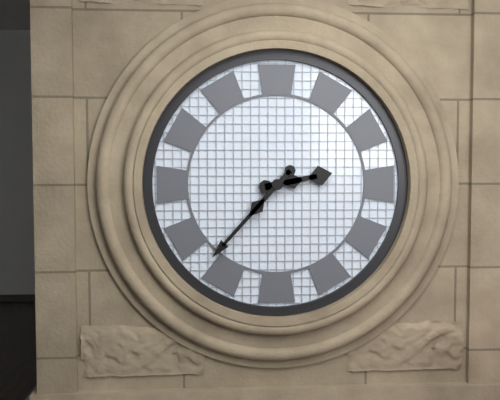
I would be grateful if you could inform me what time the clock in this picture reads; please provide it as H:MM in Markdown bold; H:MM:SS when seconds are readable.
**2:37**
